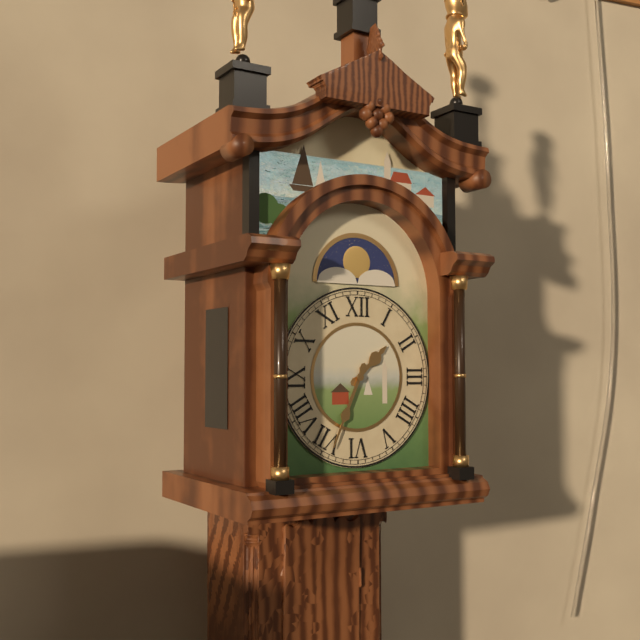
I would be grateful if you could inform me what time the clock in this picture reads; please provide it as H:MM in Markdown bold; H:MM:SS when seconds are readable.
**1:34**
